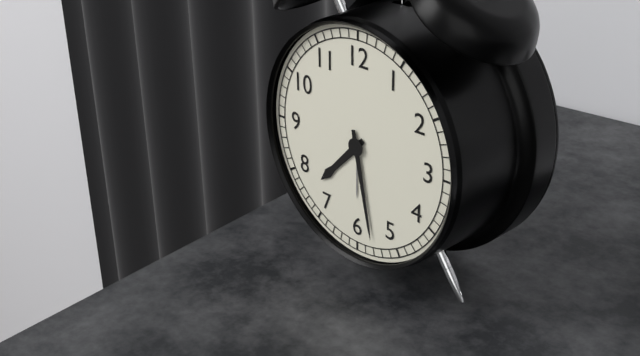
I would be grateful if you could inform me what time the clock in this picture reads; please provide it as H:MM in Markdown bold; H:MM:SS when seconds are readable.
**7:28**
